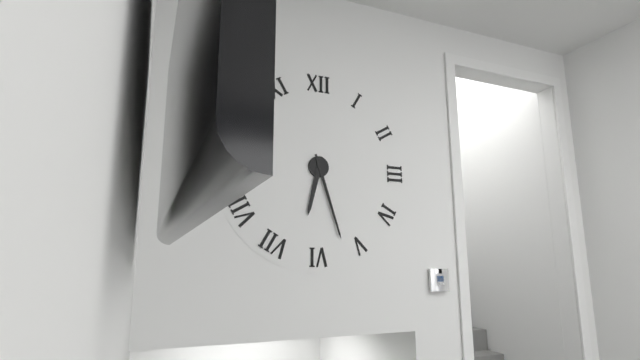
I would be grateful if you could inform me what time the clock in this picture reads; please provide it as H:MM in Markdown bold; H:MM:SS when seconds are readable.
**6:27**
